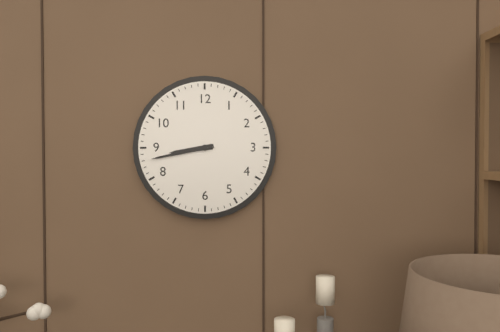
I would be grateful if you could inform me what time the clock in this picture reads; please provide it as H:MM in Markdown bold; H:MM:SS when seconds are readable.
**8:43**
